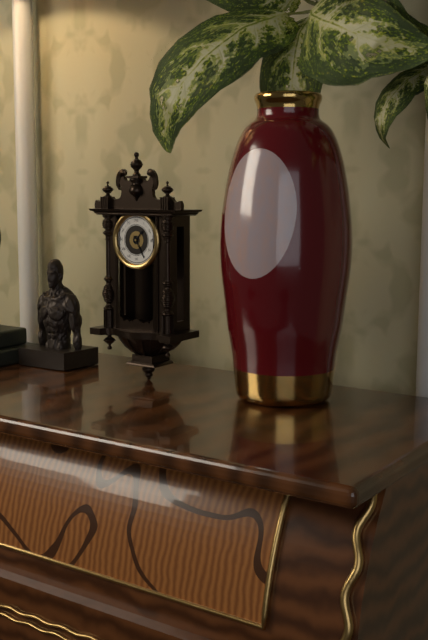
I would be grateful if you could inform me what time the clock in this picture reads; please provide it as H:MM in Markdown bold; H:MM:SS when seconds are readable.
**1:25**
